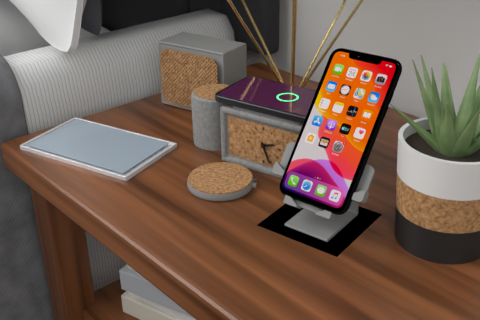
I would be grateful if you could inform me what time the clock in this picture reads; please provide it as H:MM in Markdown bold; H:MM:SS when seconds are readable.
**2:26**
